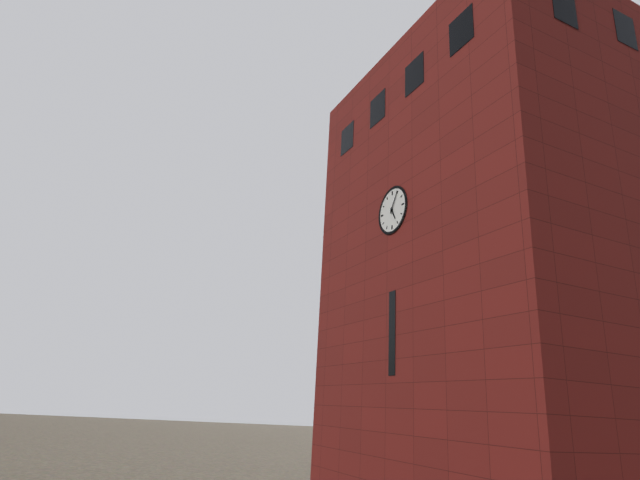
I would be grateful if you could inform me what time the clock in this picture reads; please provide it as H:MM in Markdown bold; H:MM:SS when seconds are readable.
**5:05**
